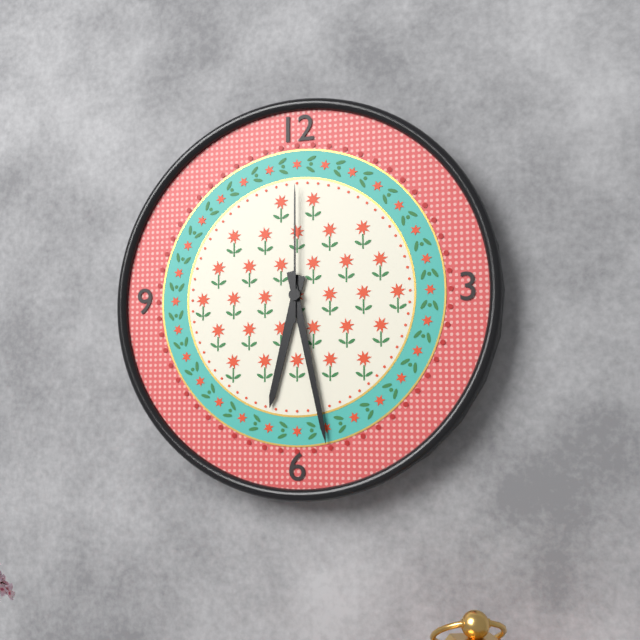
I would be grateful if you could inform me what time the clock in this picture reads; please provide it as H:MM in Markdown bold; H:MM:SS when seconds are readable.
**6:28:00**
